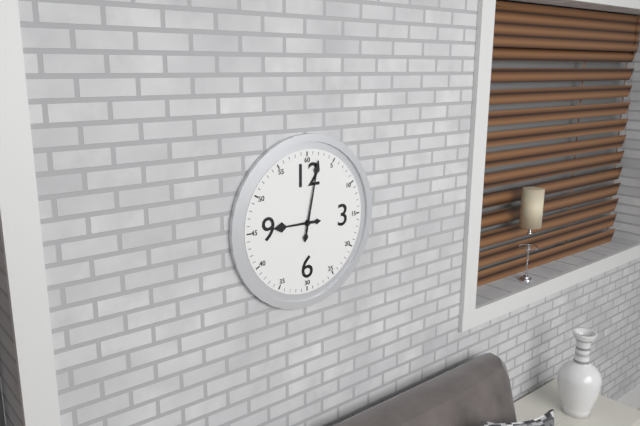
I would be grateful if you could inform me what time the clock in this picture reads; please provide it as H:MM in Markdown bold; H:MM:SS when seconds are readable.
**9:02**
